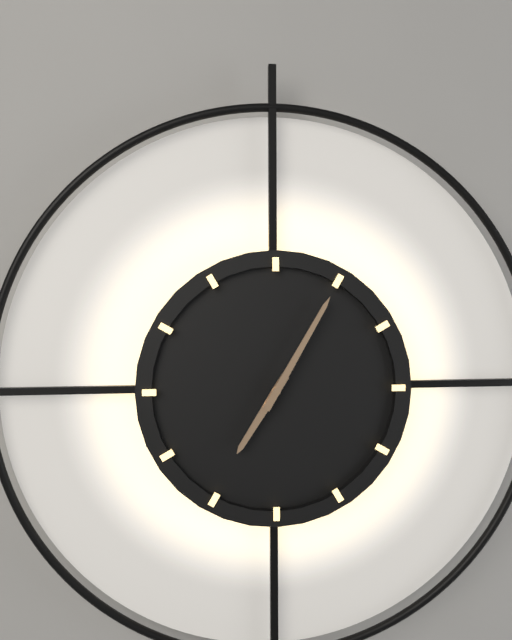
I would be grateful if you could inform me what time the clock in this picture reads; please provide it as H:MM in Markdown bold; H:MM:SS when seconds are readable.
**7:05**
